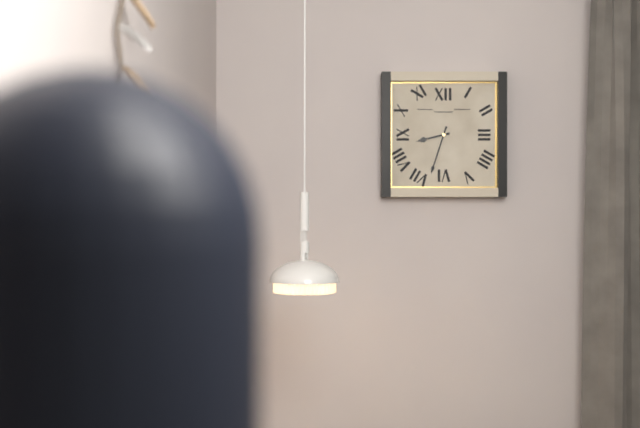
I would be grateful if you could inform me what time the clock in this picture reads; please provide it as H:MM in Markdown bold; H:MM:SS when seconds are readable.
**8:33**
